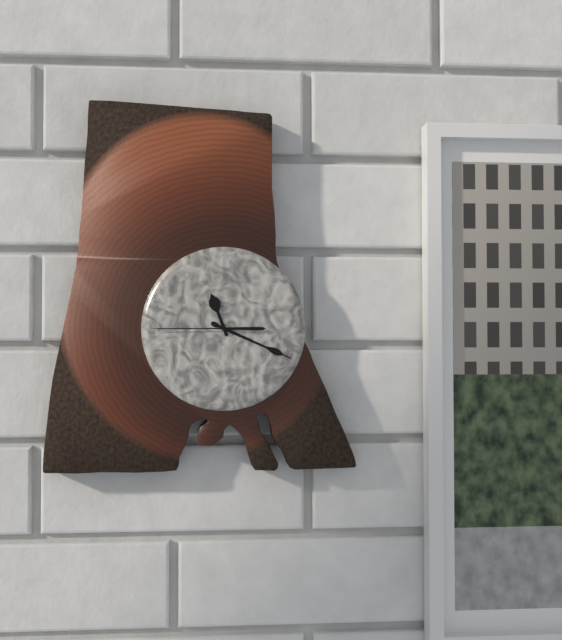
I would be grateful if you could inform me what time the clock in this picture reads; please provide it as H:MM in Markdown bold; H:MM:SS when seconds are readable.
**11:19:45**
